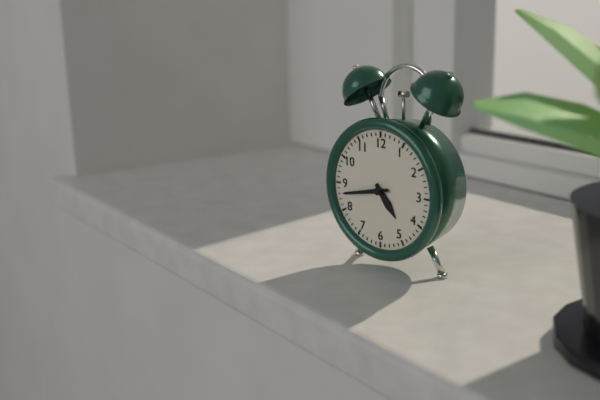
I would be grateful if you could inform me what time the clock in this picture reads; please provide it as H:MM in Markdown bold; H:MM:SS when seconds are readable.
**4:43**
